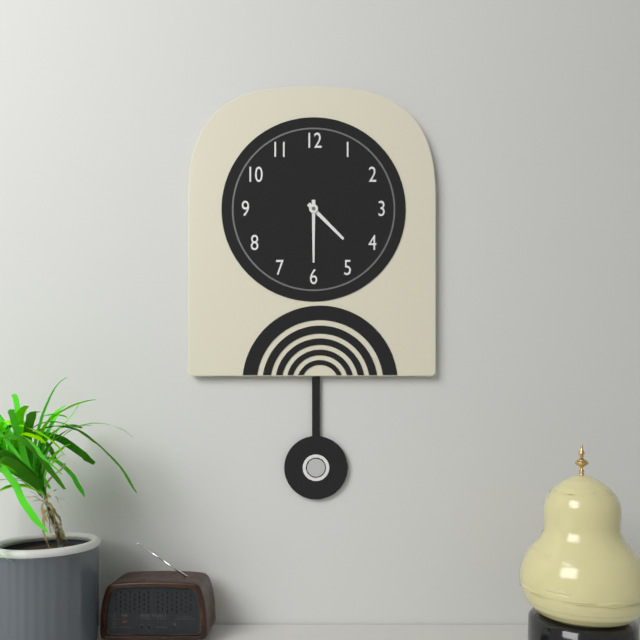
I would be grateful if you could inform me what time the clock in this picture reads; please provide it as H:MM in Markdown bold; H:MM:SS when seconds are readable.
**4:30**
